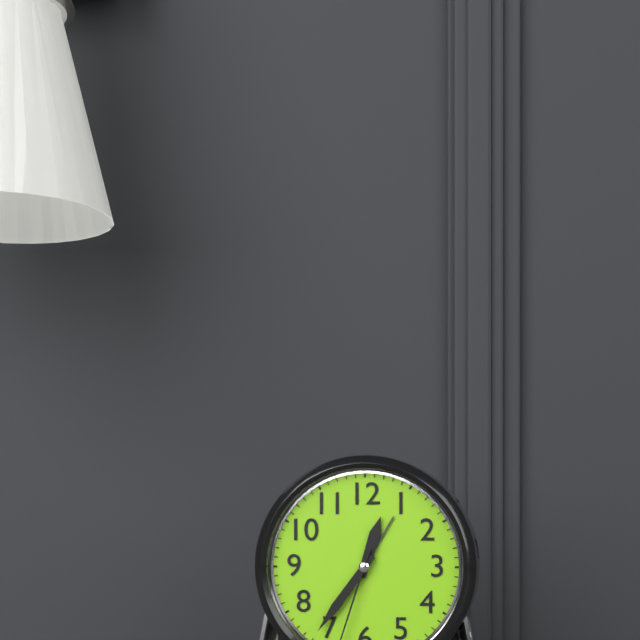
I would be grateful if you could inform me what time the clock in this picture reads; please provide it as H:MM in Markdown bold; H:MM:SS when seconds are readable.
**12:36**
